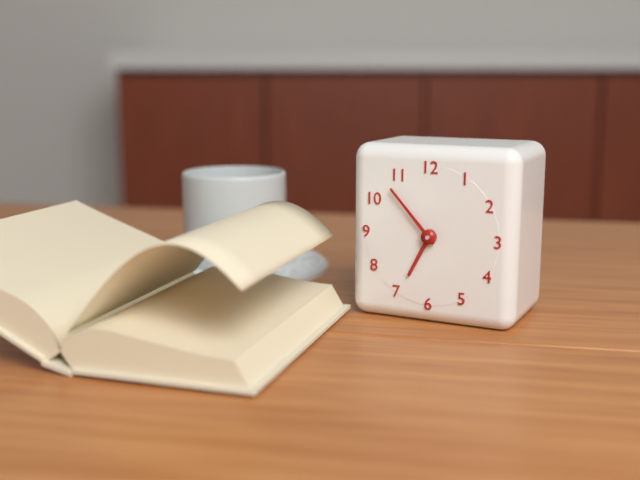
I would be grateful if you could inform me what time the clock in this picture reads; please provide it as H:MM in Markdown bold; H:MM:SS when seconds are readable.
**6:53**
